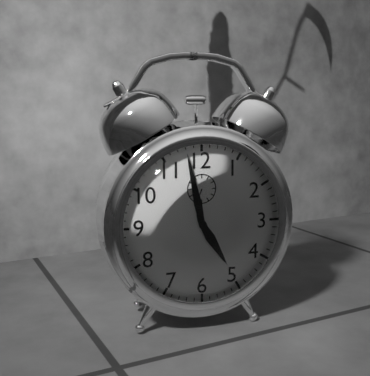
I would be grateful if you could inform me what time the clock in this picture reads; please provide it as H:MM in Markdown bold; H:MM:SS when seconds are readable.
**4:58**
